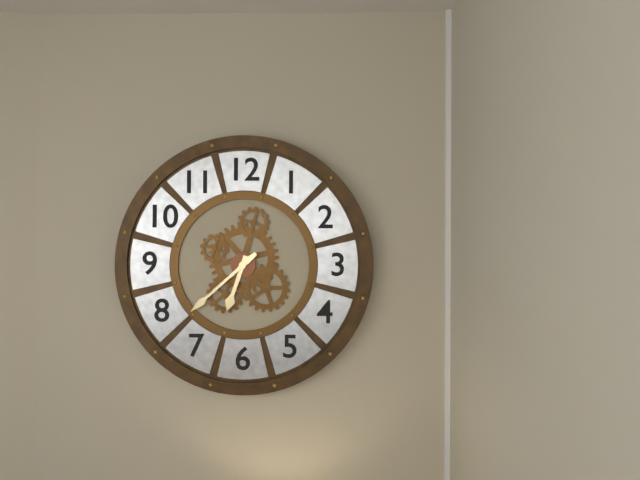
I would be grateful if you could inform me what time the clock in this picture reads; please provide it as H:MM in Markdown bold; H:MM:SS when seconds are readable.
**6:38**
